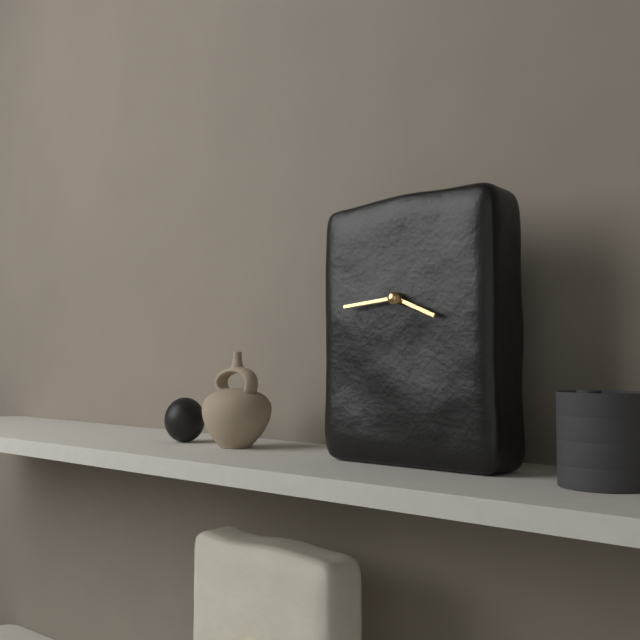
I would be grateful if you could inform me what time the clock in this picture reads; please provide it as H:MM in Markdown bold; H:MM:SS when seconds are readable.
**3:44**
